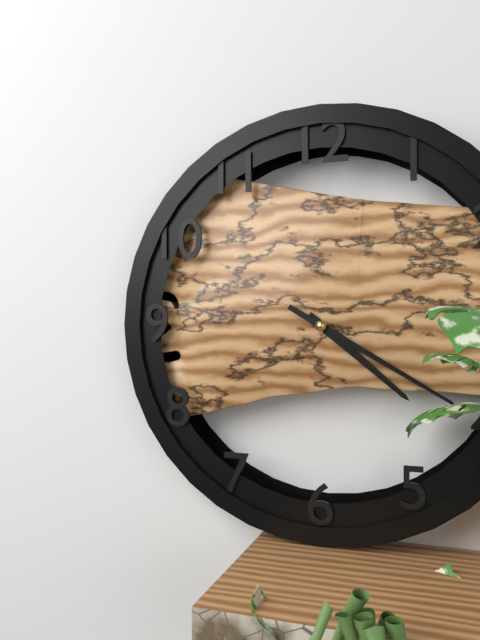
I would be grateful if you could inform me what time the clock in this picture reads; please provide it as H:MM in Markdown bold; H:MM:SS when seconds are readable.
**4:20**
